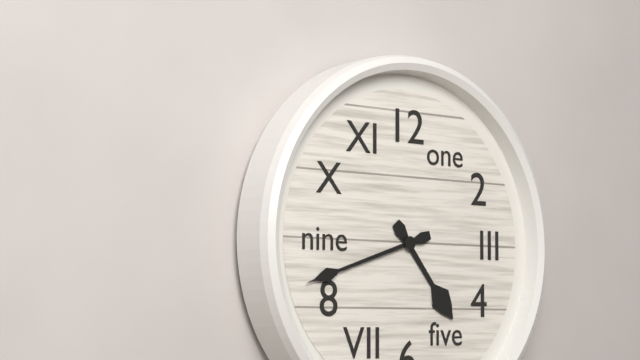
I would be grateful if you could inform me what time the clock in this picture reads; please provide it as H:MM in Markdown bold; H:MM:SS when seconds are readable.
**4:42**
